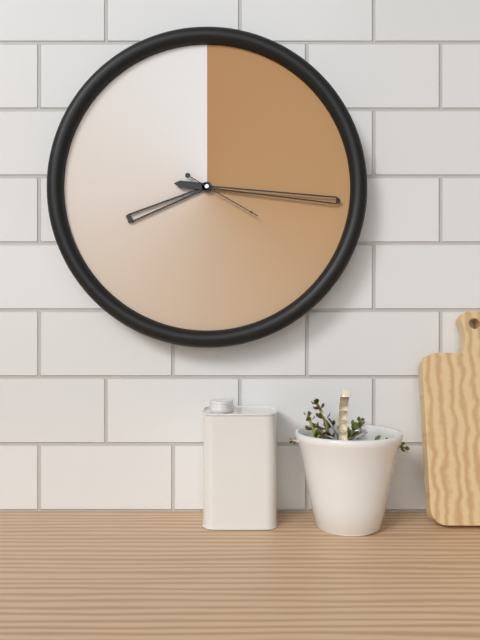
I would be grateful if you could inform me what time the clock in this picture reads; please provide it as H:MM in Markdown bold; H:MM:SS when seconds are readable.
**8:16:20**
